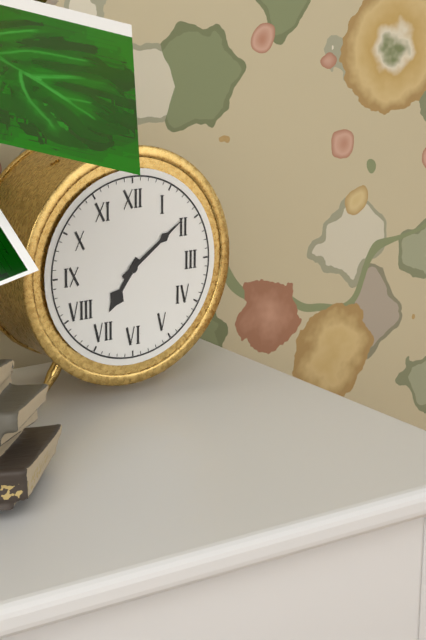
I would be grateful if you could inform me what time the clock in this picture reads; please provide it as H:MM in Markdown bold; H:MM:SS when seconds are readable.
**7:09**
